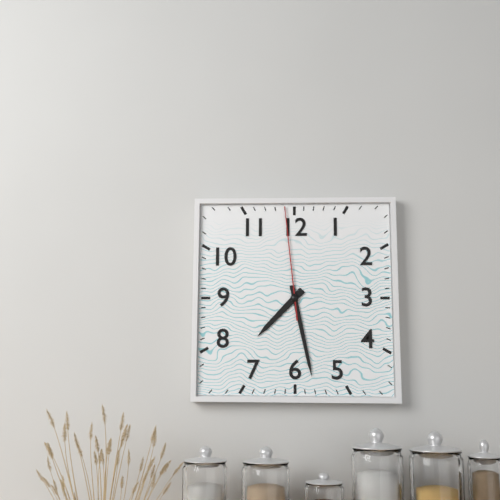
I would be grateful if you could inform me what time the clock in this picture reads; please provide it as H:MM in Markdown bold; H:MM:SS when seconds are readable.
**7:28:59**
